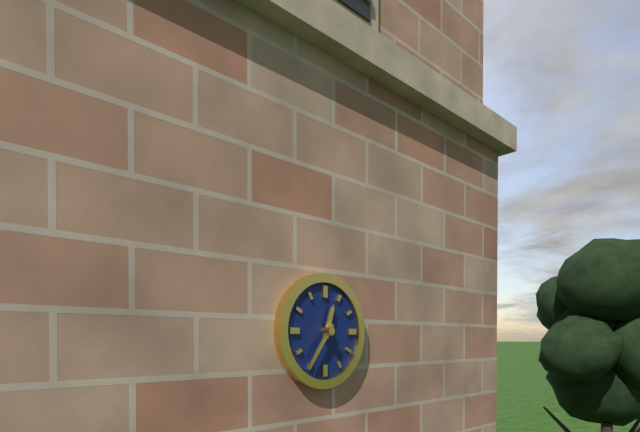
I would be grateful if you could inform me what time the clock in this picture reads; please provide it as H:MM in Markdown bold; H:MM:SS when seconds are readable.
**12:36**
